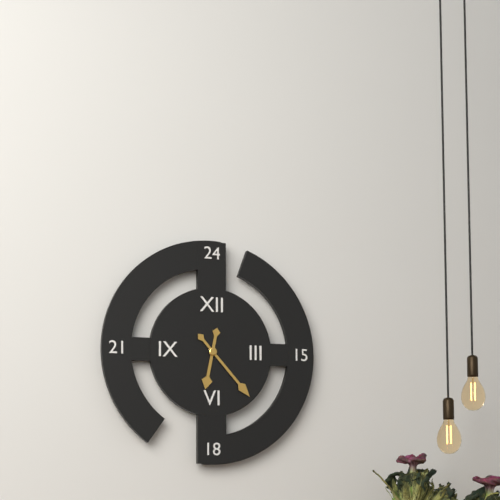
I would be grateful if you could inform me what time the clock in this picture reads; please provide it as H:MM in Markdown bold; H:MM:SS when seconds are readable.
**6:23**
